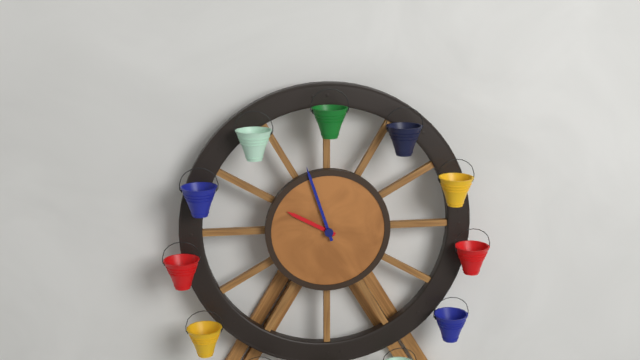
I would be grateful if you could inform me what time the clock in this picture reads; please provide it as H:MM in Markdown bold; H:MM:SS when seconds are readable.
**9:57**
